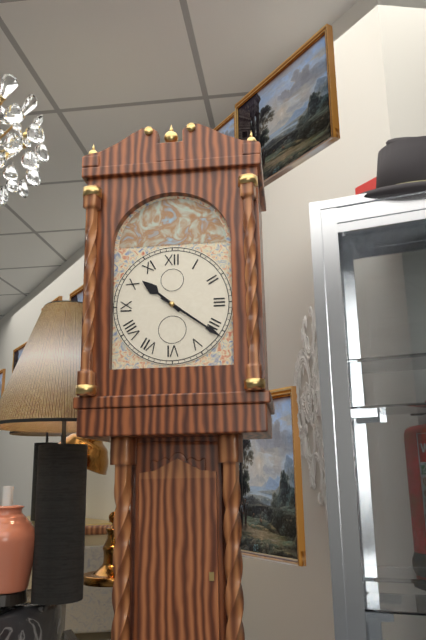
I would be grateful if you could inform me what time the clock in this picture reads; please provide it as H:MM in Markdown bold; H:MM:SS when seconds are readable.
**10:21**
